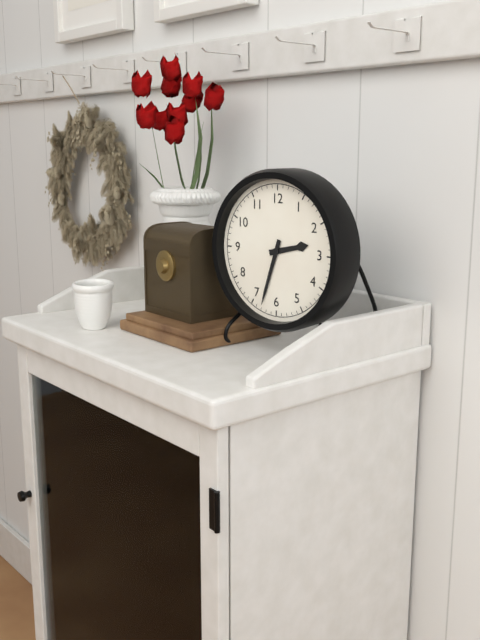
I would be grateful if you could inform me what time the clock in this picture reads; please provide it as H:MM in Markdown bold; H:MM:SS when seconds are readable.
**2:33**
